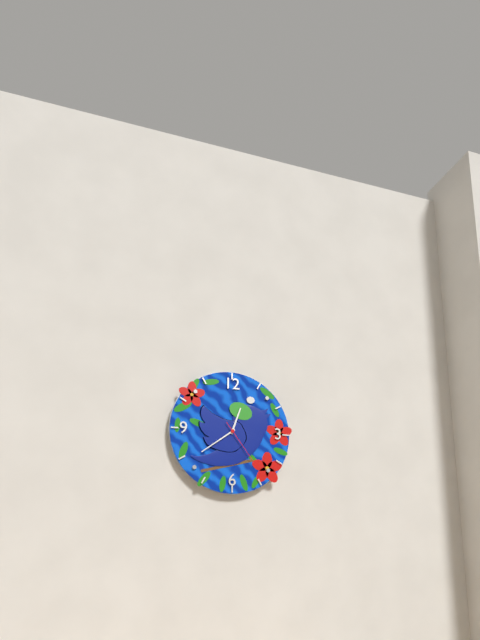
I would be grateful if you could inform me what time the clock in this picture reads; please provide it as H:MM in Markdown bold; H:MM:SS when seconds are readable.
**12:39:24**
